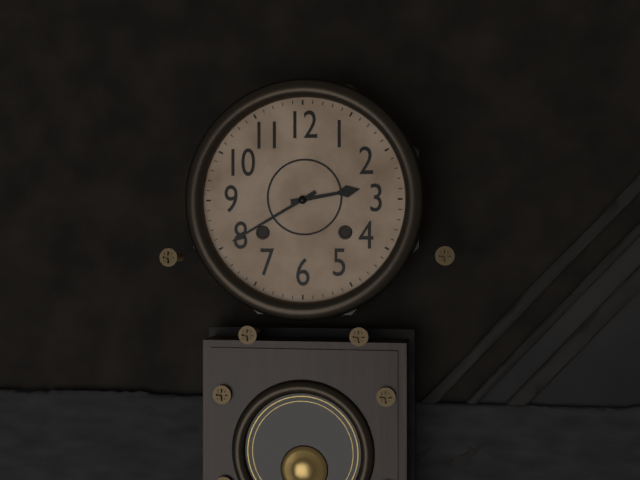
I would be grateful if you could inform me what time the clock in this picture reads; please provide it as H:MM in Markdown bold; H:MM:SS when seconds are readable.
**2:40**
